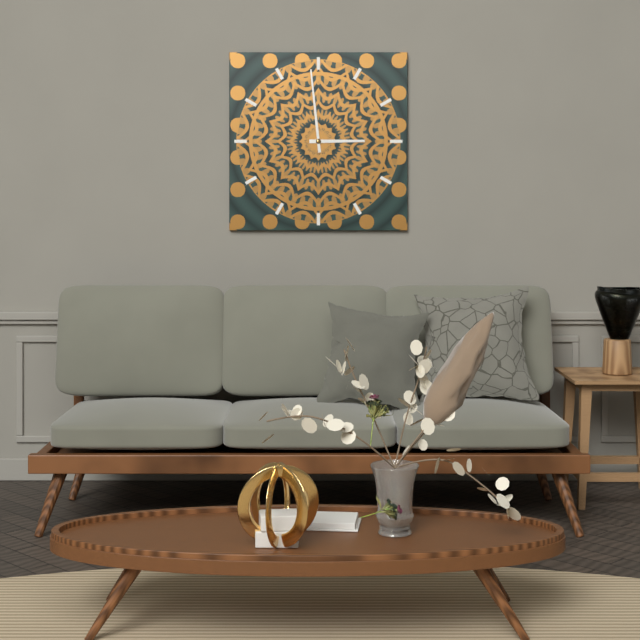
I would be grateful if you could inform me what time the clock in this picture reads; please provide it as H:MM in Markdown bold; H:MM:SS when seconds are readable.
**2:59**
